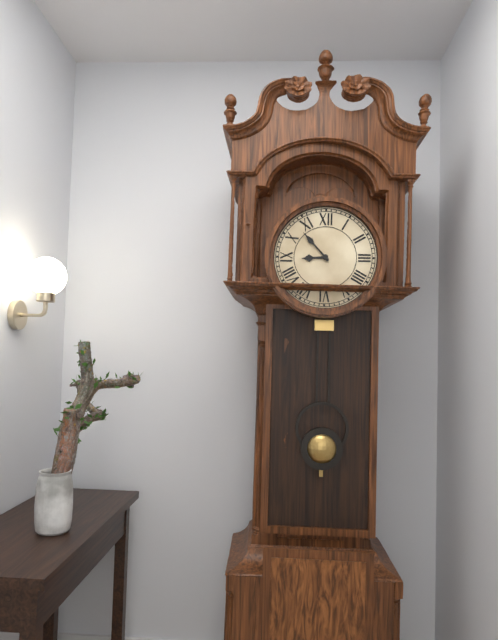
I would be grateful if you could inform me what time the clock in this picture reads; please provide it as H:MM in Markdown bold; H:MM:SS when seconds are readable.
**8:53**
